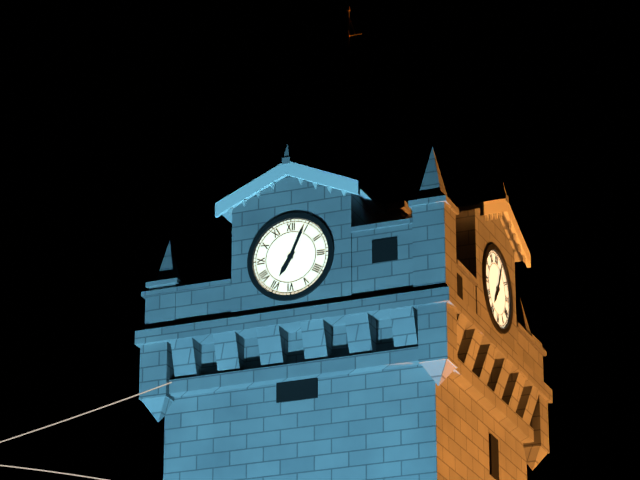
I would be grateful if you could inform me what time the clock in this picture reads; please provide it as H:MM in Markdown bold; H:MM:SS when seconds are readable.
**7:04**
